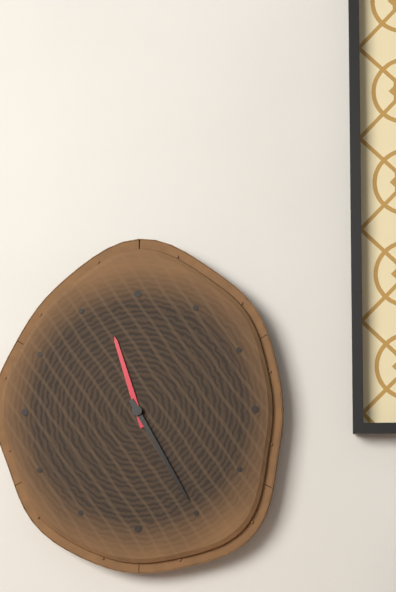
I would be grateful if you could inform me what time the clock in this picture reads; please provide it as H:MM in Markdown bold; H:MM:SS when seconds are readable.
**11:25**
